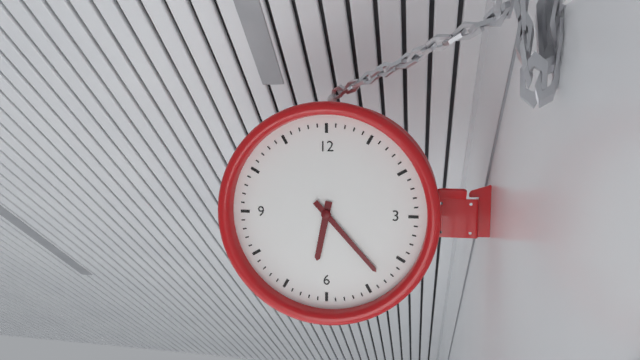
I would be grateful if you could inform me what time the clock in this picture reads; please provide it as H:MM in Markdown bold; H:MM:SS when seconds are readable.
**6:23**
